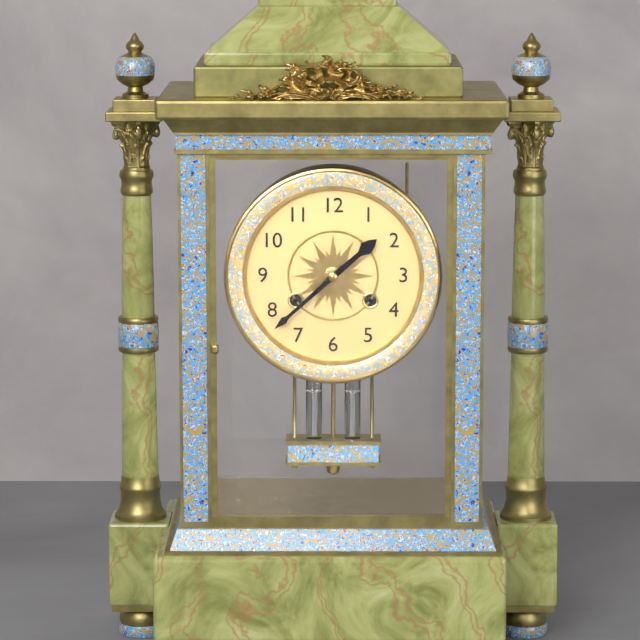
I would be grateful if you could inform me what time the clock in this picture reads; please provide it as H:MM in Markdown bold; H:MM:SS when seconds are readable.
**1:38**
